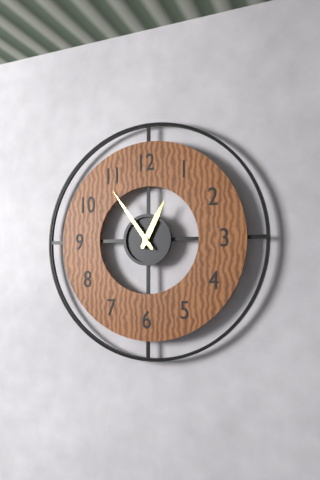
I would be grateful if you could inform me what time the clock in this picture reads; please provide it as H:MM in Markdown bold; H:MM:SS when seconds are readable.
**12:54**
